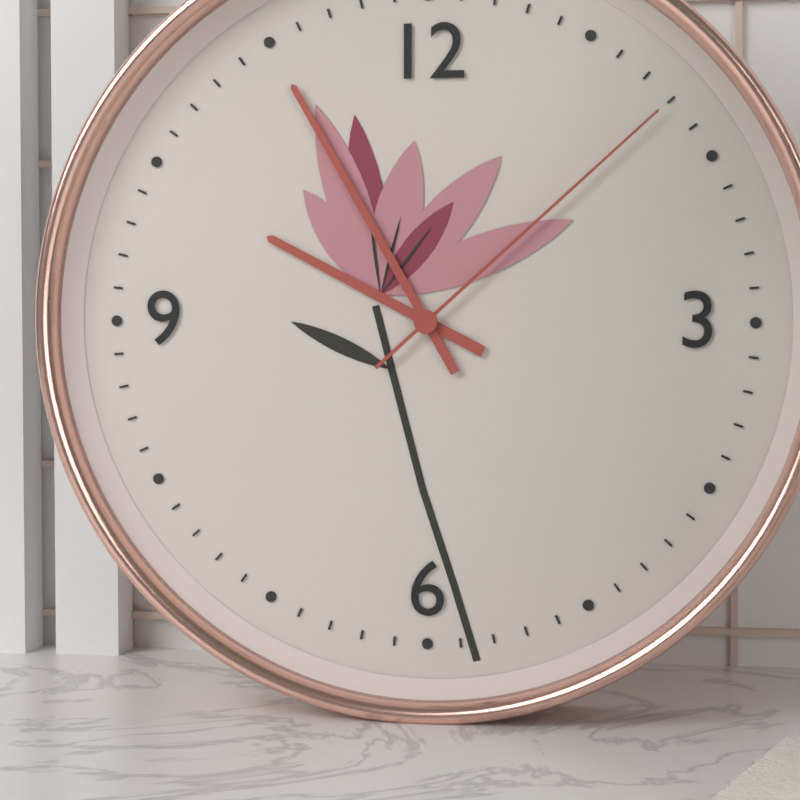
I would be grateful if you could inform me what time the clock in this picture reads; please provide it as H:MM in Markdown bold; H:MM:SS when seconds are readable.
**9:55:08**
